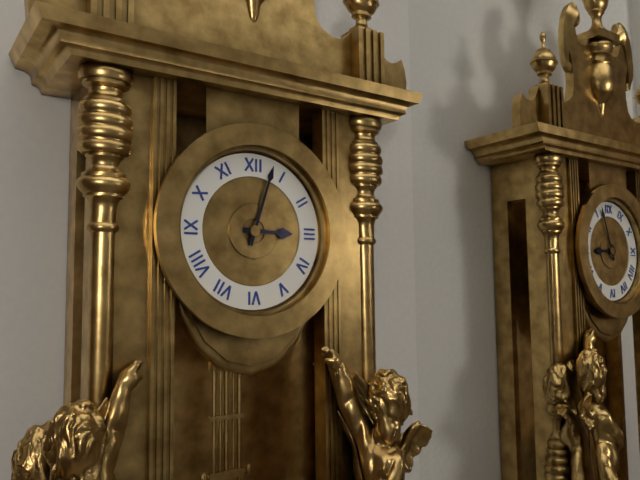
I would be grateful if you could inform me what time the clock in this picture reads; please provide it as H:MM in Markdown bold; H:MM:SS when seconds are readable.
**3:03**
